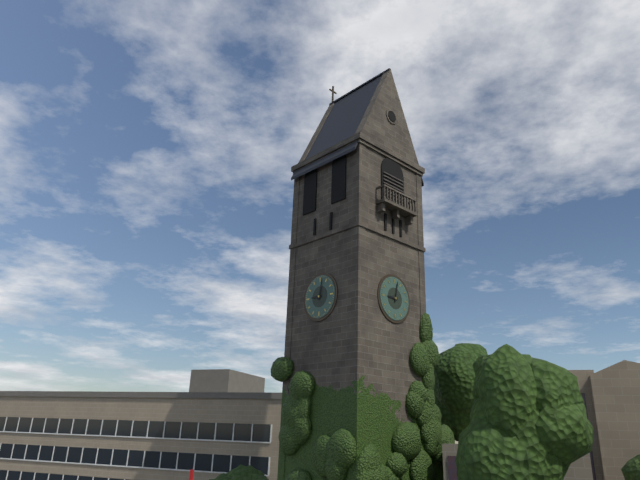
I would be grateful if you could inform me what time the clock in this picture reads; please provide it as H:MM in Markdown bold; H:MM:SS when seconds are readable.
**9:02**
